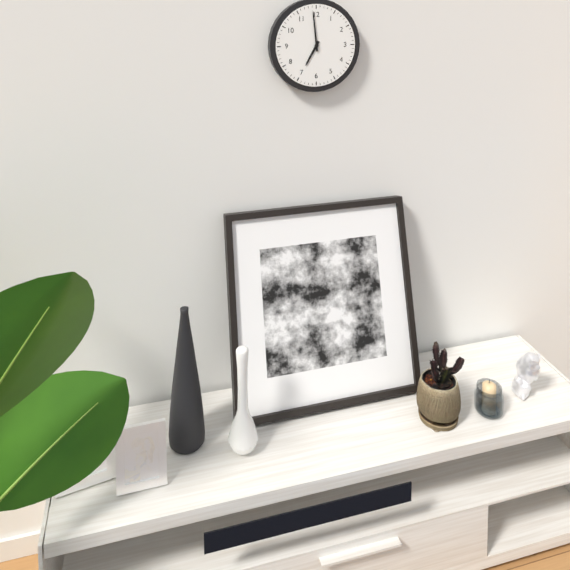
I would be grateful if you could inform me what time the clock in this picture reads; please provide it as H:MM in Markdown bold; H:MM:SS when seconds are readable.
**6:59**
